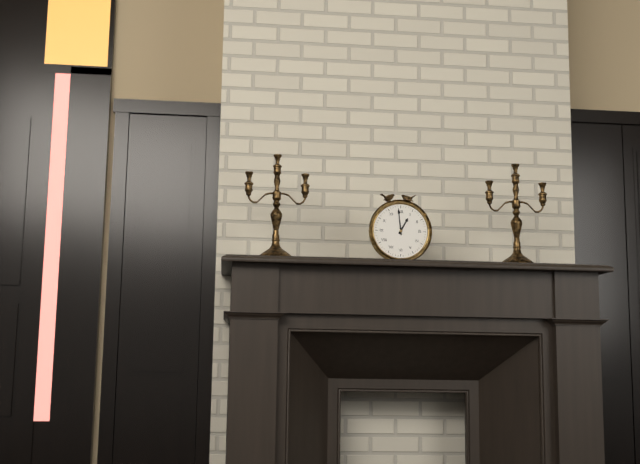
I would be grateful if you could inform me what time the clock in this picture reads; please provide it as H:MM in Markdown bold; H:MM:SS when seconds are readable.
**12:59**
